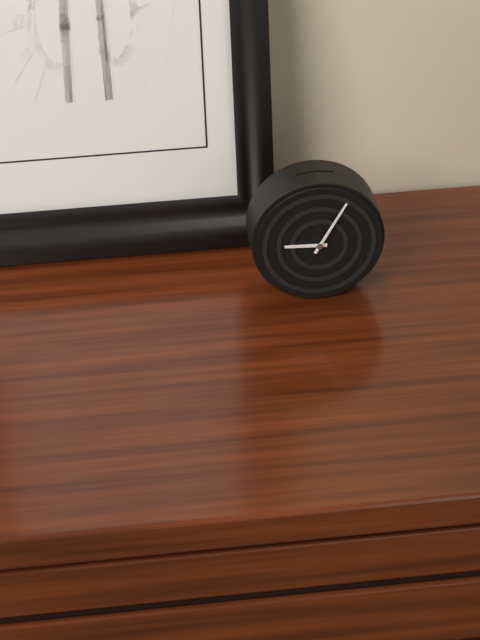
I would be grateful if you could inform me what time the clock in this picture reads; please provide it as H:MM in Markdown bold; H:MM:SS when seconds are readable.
**9:05**
